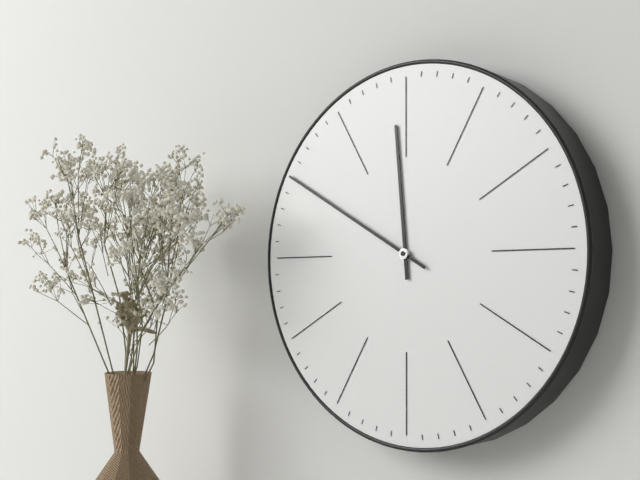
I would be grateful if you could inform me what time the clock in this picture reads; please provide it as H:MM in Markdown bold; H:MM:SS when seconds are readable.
**11:50**
